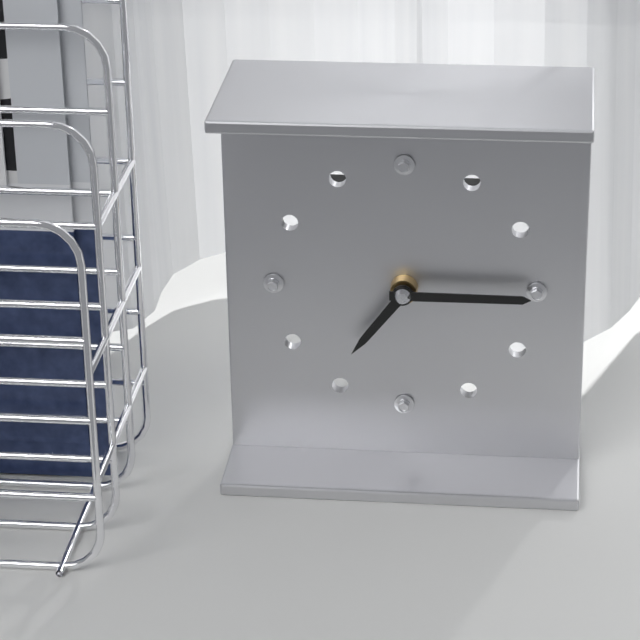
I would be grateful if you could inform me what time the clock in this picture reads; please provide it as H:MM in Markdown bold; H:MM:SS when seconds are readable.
**7:15**
